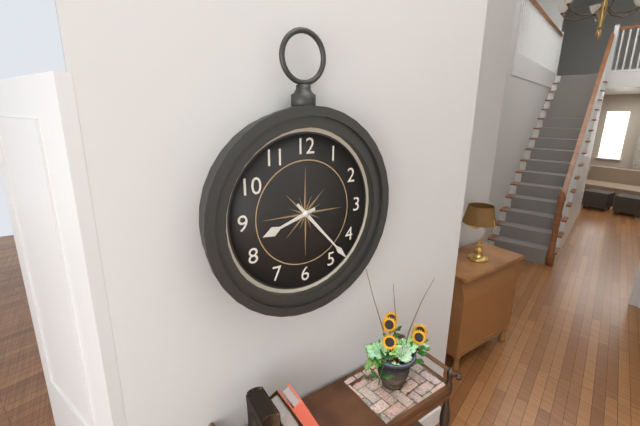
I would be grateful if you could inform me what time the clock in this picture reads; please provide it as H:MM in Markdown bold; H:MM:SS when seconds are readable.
**8:23**
